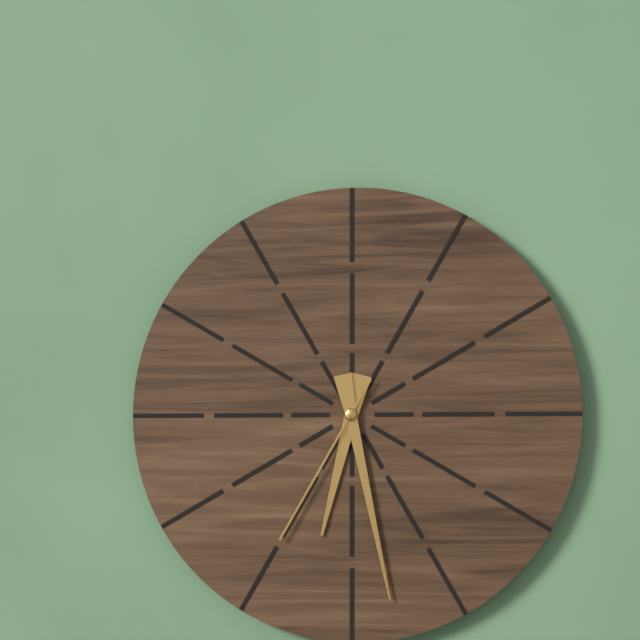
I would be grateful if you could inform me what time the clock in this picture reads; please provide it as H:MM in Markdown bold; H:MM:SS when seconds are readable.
**6:28:35**
